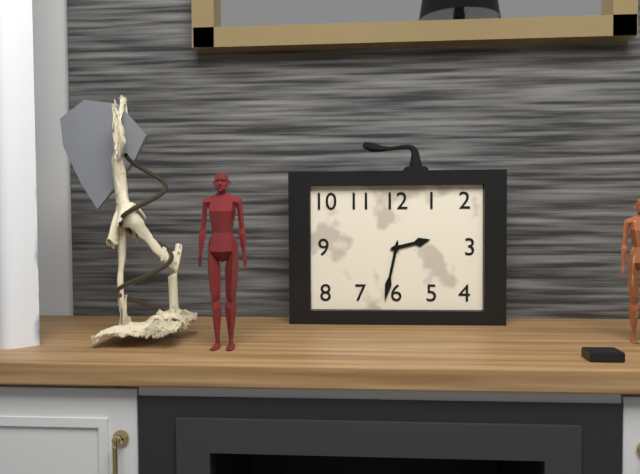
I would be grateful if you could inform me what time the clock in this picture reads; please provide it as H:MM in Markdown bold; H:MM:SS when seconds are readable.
**2:32**
